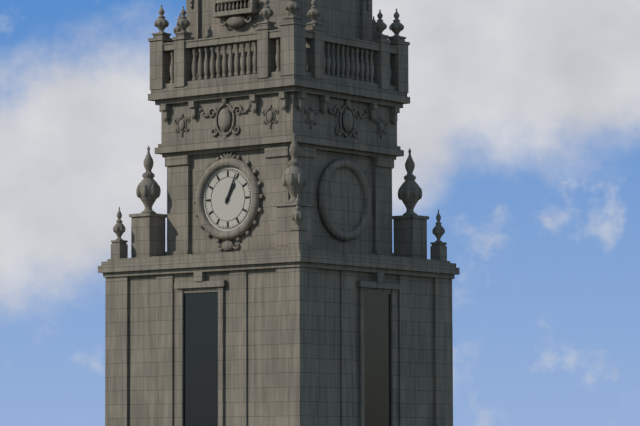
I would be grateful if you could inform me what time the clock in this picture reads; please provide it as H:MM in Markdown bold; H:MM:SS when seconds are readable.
**1:04**
